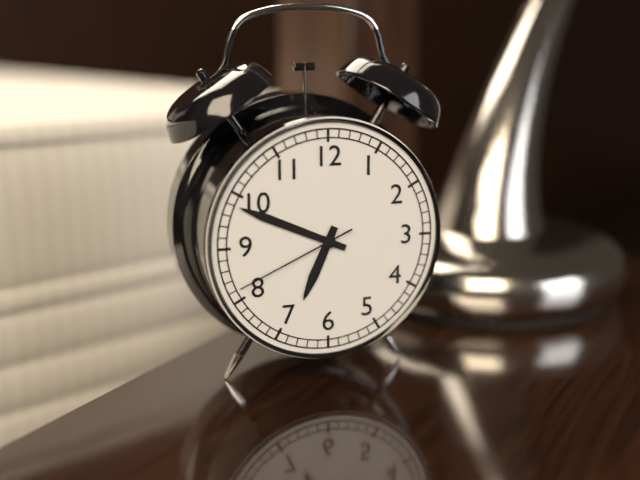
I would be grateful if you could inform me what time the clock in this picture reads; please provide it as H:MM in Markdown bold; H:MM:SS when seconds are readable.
**6:49:41**
